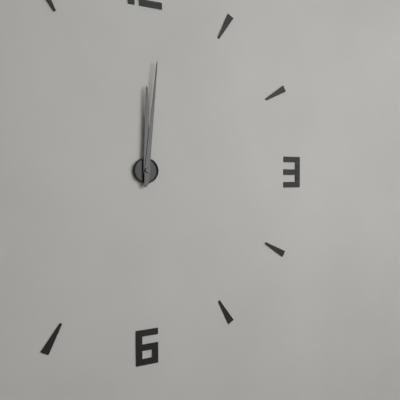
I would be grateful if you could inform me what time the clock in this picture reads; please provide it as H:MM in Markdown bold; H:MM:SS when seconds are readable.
**12:01**
